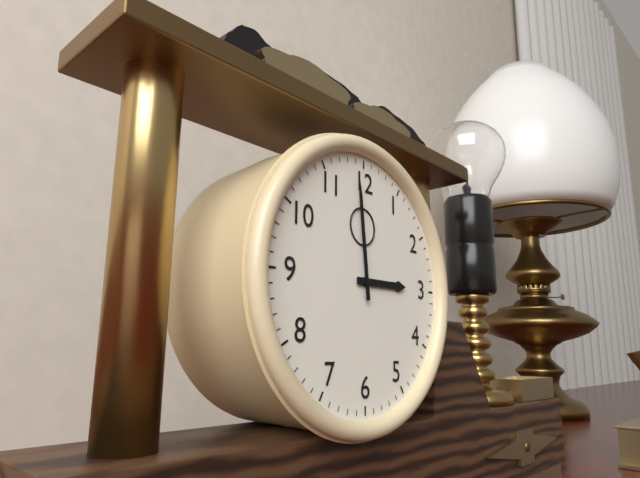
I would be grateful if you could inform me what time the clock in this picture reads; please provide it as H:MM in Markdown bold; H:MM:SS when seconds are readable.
**2:59**
